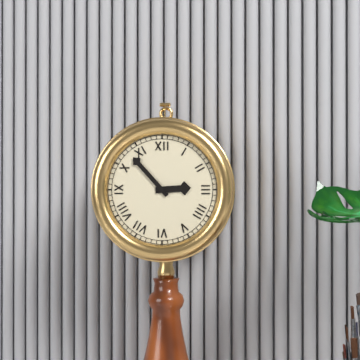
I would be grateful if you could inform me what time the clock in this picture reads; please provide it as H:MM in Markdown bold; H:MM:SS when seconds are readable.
**2:53**
